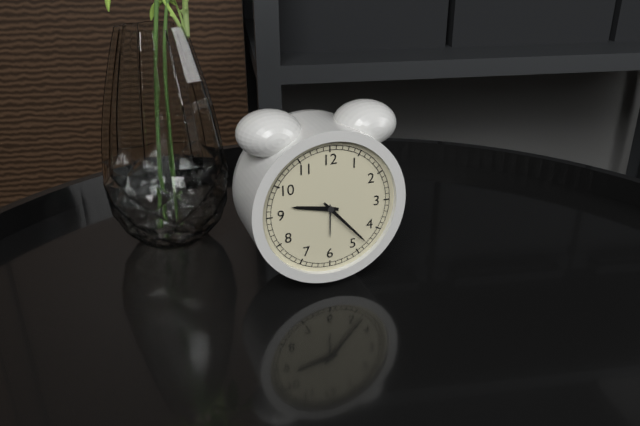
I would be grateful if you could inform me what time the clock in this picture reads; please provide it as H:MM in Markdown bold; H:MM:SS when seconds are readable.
**9:23**
